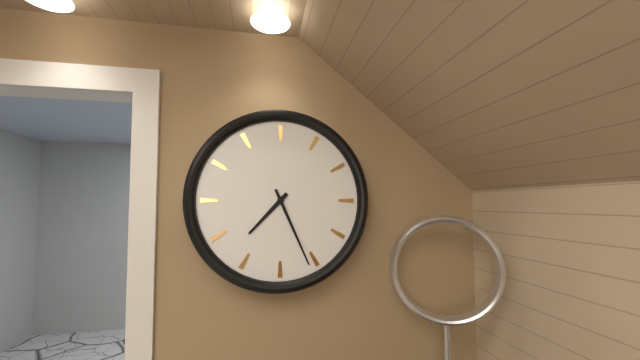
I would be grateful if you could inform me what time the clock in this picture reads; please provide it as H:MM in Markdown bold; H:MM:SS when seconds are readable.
**7:26**
